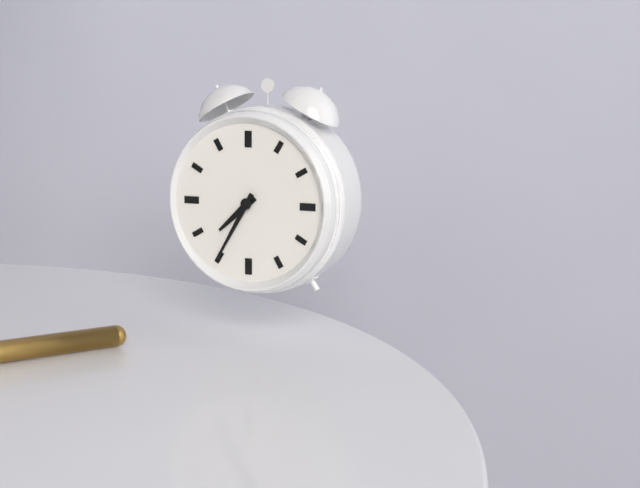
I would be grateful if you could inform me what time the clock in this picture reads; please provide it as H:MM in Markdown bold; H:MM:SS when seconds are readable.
**7:35**
